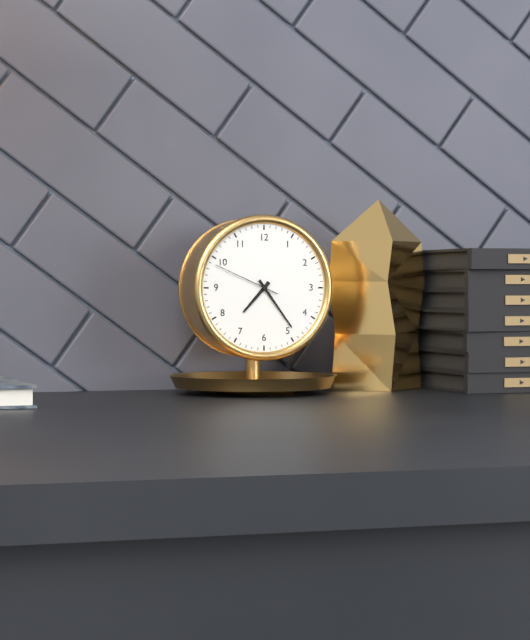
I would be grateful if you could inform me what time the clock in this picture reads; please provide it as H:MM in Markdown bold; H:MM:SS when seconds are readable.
**7:24:49**
